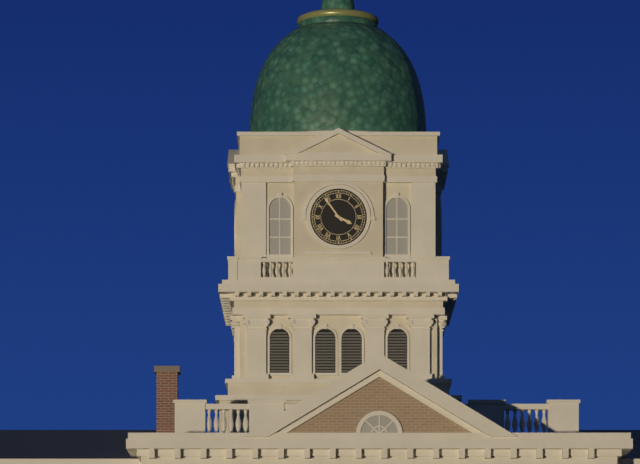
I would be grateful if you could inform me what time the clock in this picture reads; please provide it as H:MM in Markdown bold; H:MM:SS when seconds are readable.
**3:54**
